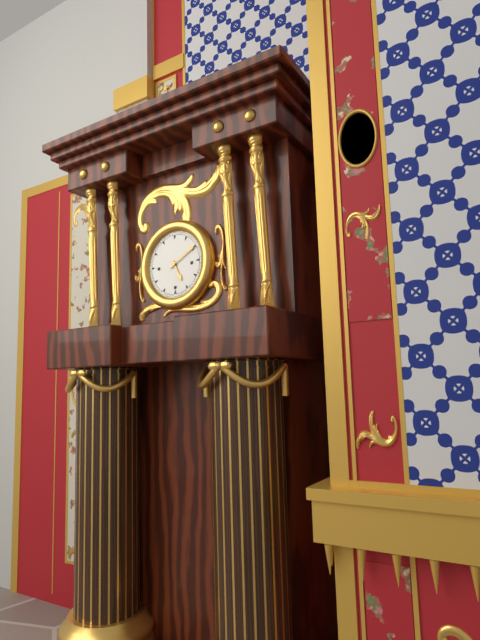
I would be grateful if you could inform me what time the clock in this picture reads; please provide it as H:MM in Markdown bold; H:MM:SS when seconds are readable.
**5:10**
